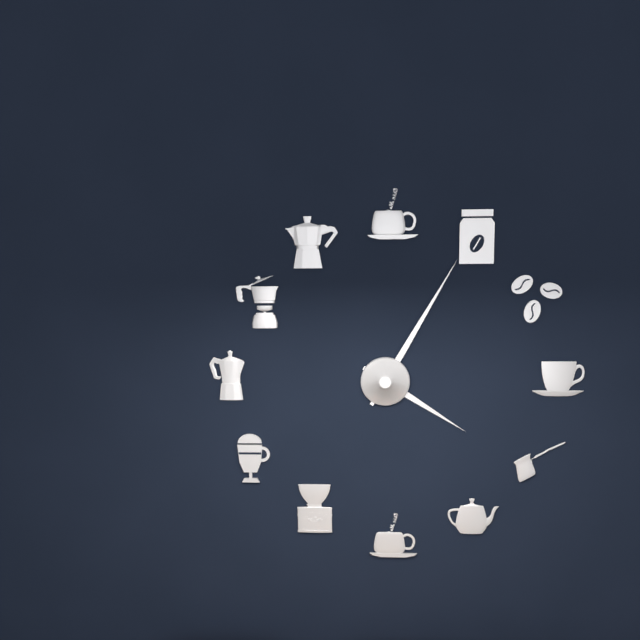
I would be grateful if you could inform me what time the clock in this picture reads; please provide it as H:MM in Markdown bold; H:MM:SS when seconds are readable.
**4:05**
